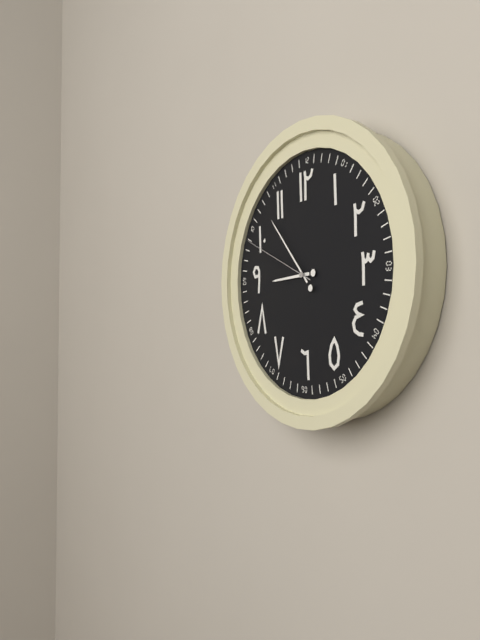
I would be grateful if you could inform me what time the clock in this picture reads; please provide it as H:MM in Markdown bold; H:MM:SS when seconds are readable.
**8:53:49**
